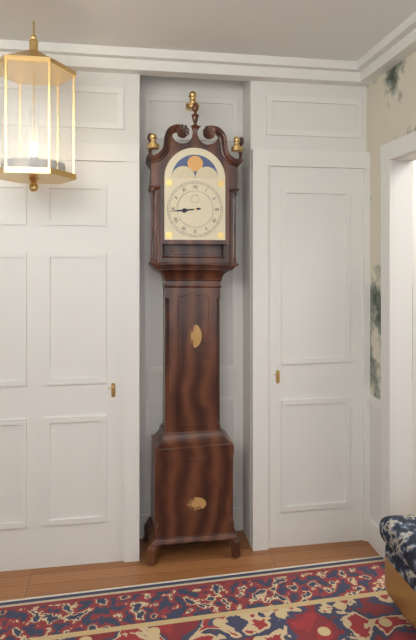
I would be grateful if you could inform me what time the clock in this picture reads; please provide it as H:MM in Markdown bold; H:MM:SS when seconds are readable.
**8:44**
